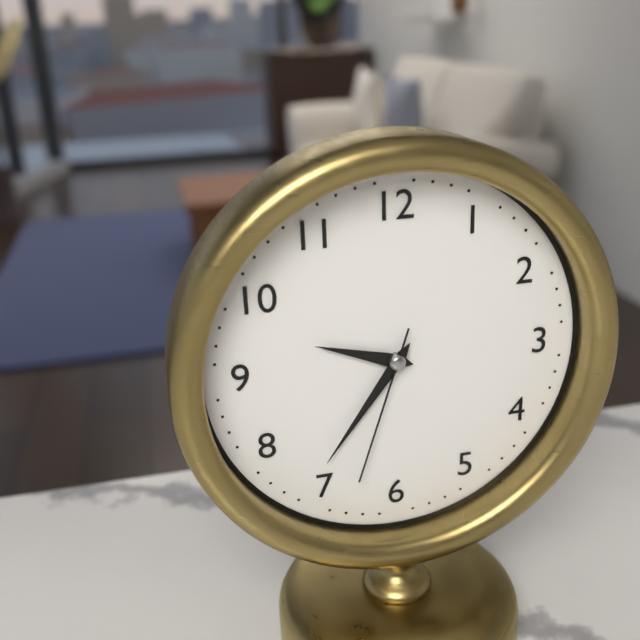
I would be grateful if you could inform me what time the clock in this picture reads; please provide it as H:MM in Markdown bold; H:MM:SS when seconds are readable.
**9:36:33**
